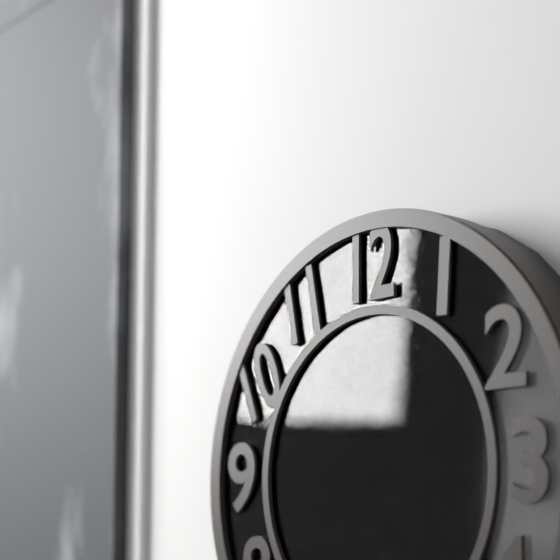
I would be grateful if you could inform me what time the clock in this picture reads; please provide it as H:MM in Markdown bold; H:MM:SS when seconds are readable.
**3:05**
